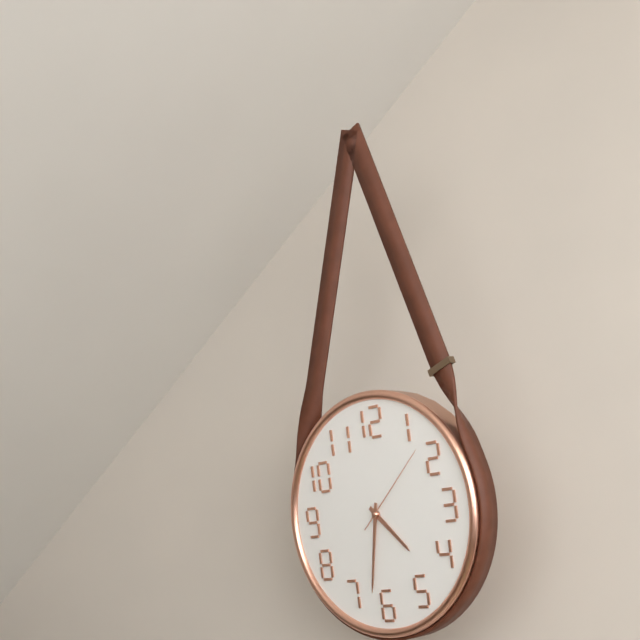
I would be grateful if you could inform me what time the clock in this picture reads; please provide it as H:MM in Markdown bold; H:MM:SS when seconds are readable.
**4:32:08**
